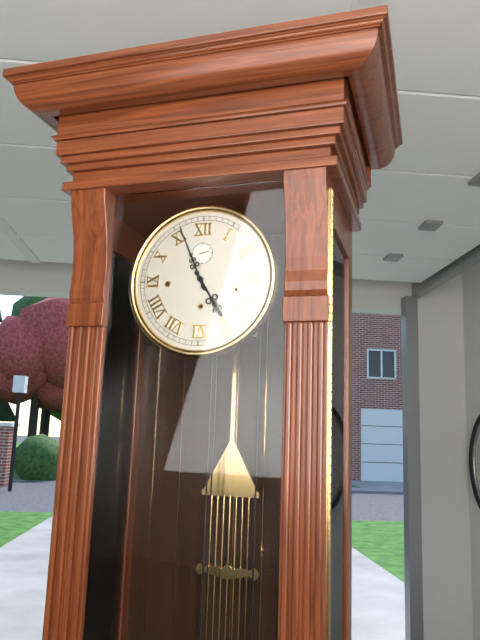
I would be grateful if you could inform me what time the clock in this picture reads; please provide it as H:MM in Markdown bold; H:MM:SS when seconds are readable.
**4:56**
